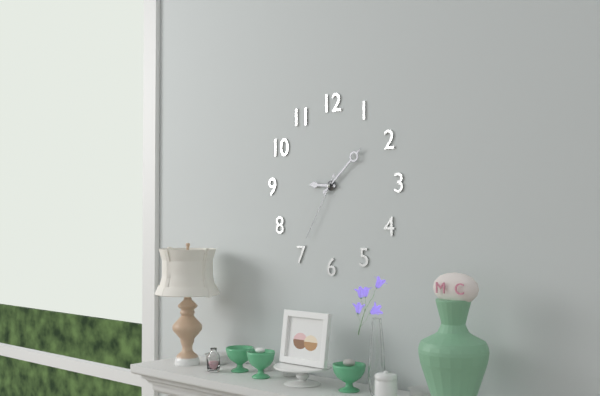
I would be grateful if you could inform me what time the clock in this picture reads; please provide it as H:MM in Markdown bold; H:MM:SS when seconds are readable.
**9:08:35**
